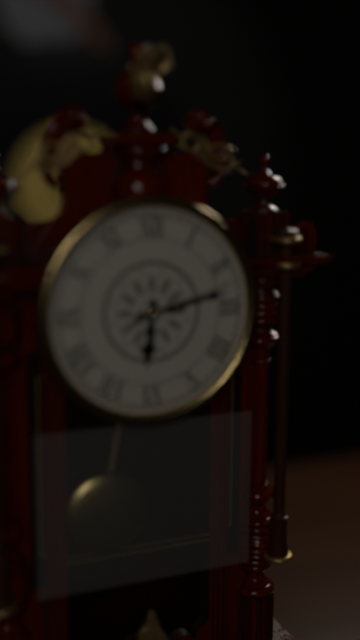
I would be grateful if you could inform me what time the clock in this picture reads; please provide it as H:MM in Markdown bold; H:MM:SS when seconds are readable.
**6:13:12**
